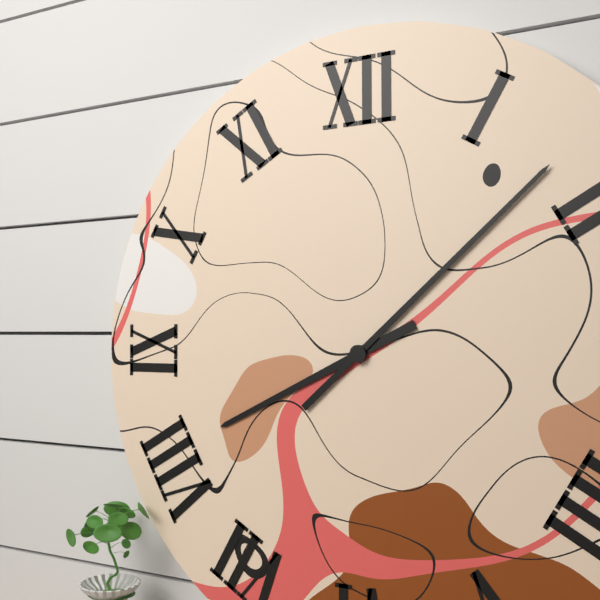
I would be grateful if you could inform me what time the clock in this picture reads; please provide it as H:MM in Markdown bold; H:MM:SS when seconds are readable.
**8:08**
